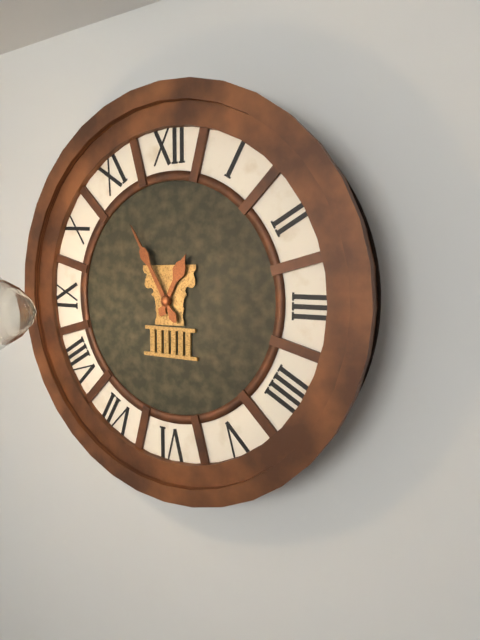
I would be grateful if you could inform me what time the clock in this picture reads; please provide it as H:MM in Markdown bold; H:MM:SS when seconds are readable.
**12:55**
